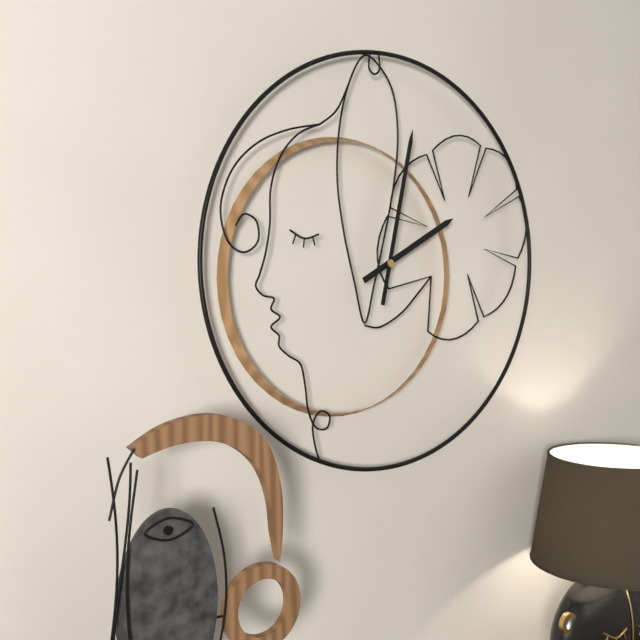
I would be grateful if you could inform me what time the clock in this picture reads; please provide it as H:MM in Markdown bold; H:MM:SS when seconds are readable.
**2:02**
